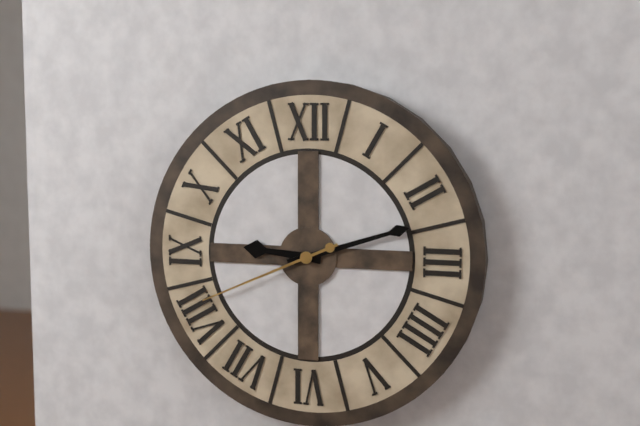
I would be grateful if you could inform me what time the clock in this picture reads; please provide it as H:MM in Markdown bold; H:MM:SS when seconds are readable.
**9:12:41**
